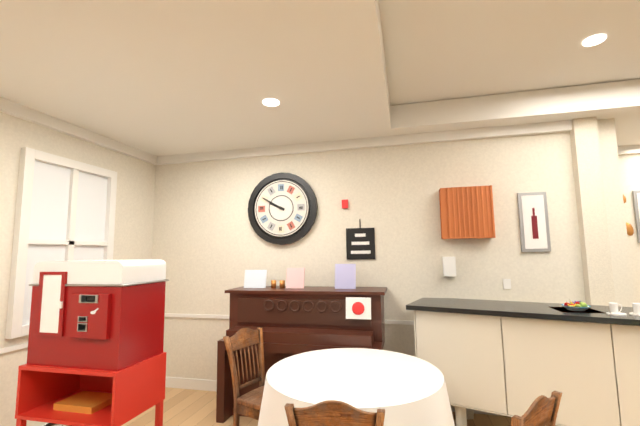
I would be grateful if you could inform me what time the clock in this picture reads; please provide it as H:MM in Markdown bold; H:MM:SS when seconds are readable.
**9:50**
